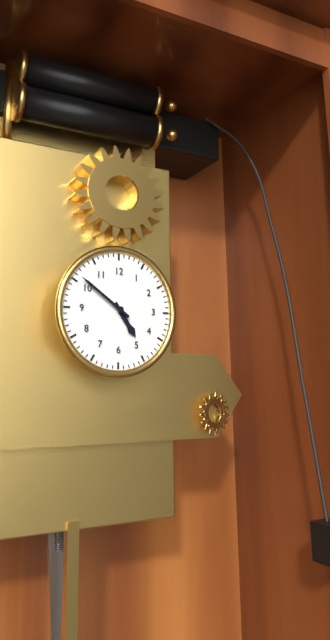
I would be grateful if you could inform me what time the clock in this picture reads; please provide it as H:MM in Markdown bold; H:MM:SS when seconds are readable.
**4:51**
